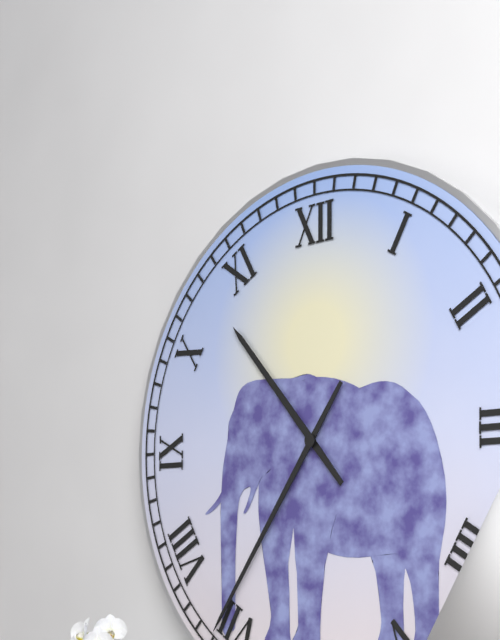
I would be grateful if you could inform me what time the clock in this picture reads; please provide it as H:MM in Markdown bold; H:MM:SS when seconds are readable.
**10:36**
